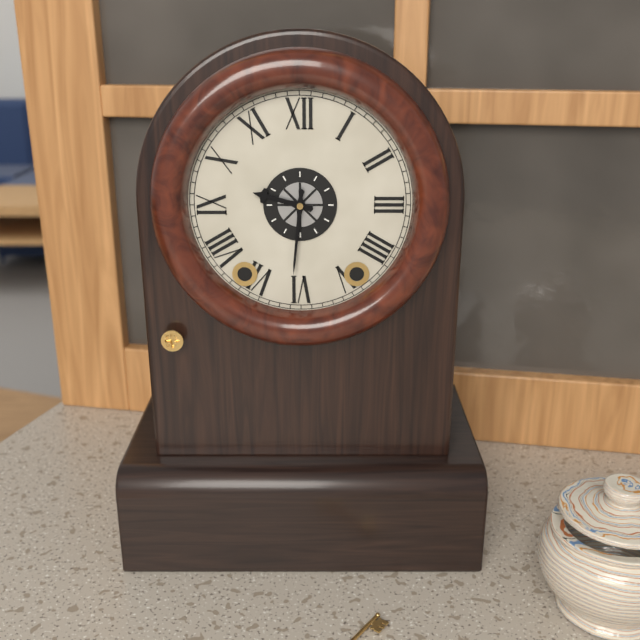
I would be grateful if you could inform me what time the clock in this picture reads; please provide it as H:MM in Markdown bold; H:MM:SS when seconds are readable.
**9:31**
